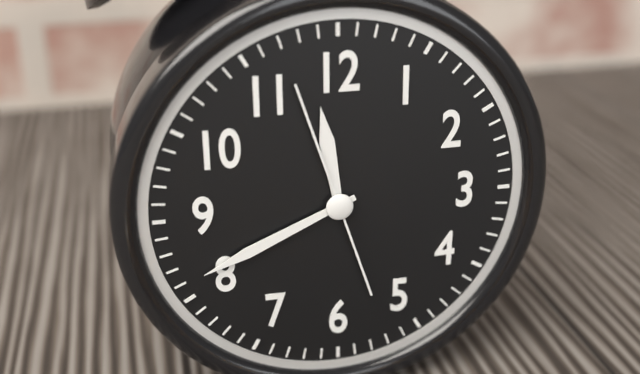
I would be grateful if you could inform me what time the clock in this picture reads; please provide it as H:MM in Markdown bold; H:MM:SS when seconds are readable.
**11:41:57**
